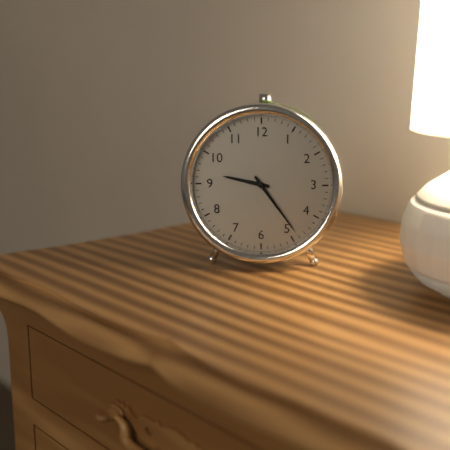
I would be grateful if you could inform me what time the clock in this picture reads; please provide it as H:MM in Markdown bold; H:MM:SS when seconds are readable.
**9:24**
